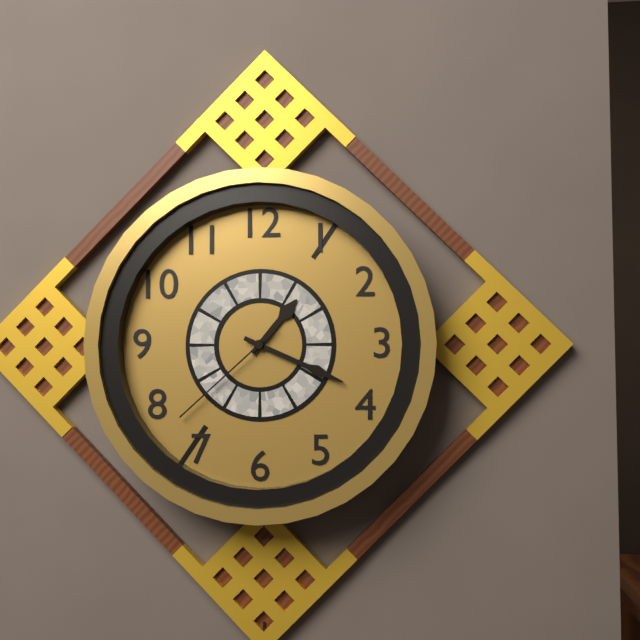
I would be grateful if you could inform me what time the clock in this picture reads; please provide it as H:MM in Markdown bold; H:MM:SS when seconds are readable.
**1:19:38**
